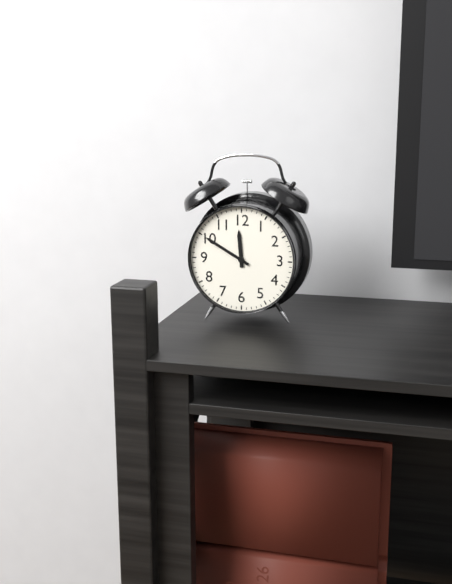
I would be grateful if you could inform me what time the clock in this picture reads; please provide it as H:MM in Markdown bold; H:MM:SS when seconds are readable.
**11:50**
